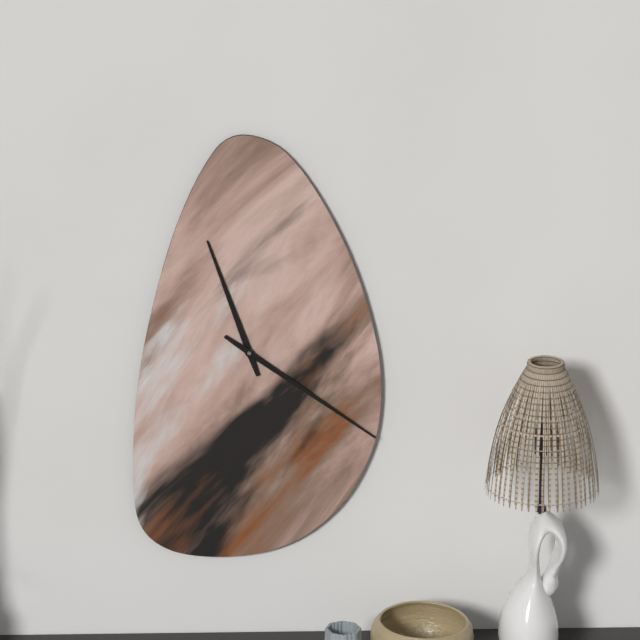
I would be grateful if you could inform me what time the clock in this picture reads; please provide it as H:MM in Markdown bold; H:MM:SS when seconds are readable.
**11:21**
